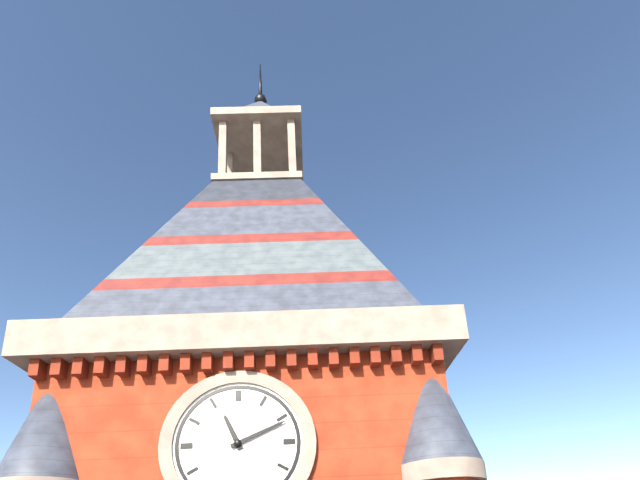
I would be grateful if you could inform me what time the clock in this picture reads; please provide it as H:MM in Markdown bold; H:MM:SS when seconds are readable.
**11:11**
